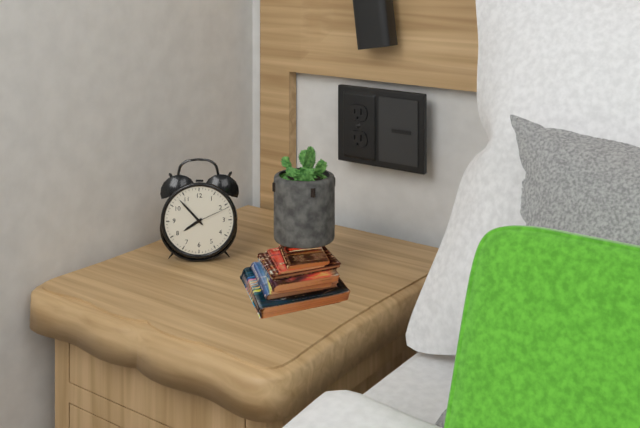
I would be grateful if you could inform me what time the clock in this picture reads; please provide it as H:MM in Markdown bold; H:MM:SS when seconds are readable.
**7:53**
